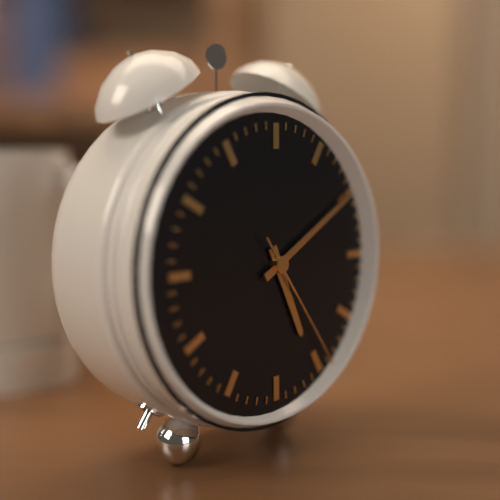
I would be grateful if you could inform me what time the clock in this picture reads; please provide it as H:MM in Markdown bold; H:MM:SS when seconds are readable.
**5:10:24**
